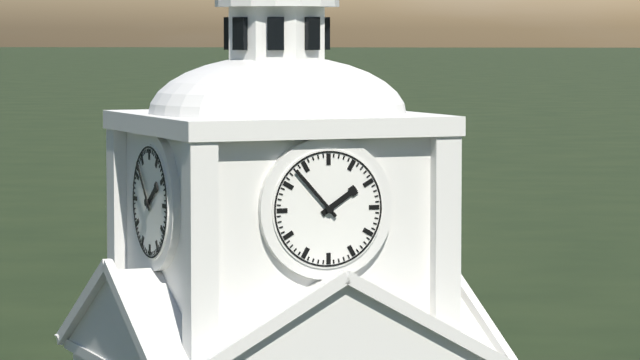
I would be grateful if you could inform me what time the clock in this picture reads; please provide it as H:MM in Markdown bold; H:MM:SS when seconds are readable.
**1:53**
